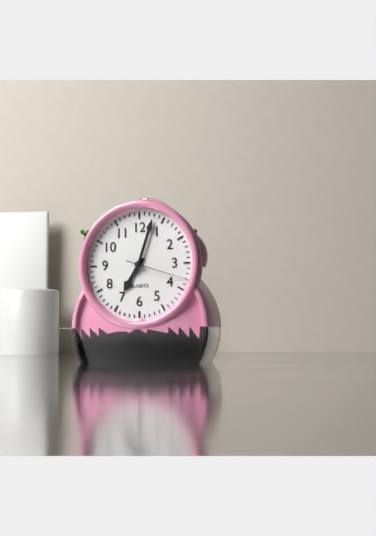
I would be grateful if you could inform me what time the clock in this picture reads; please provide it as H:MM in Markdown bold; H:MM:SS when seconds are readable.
**7:03:18**
